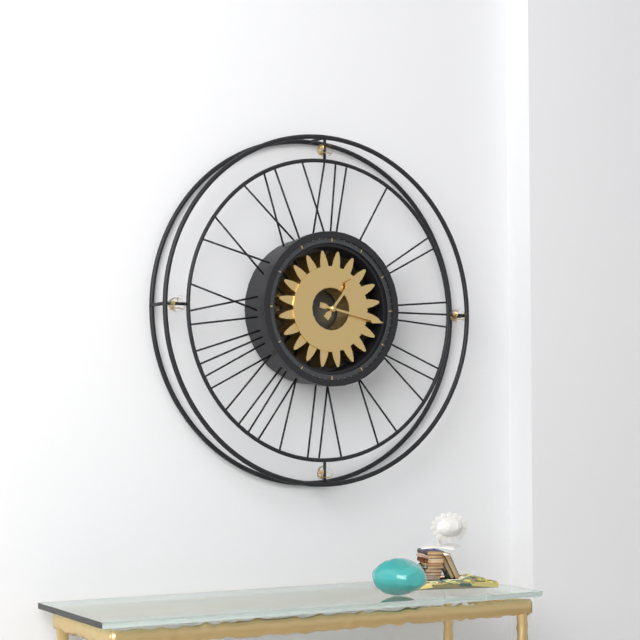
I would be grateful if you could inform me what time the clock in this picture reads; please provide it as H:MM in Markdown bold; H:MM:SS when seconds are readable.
**1:17**
